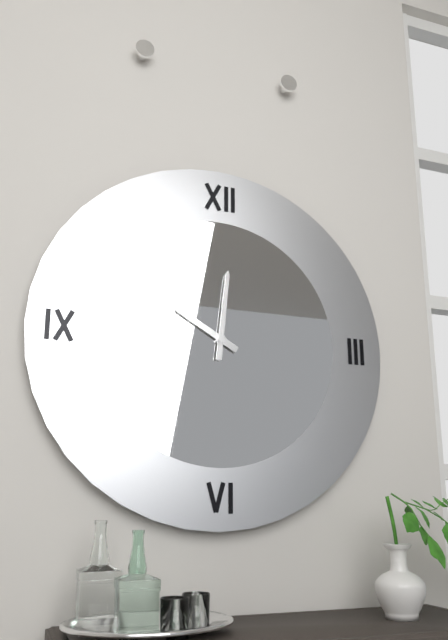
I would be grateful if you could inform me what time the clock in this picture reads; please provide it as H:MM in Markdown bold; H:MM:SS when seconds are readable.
**10:01**
